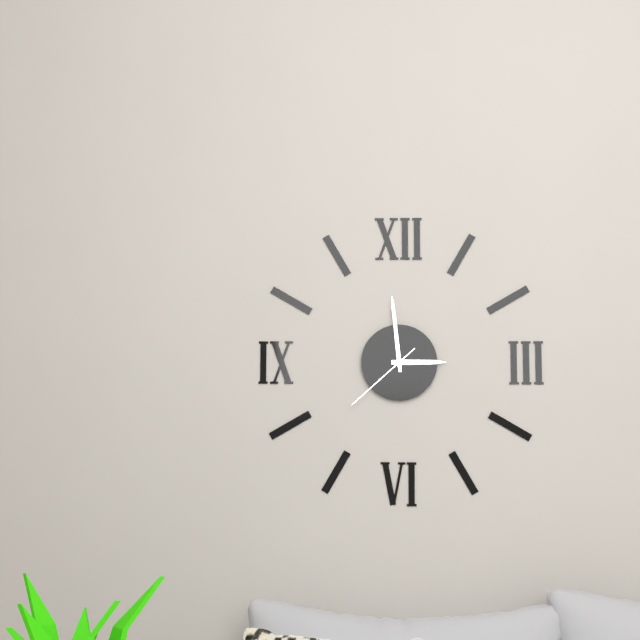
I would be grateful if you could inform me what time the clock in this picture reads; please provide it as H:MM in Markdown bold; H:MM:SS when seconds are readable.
**2:59:38**
